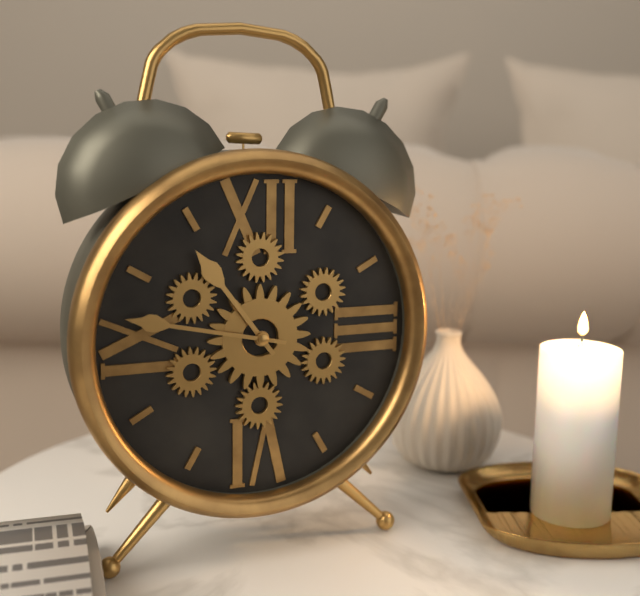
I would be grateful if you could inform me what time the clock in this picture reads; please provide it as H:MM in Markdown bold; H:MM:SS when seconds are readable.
**10:47**
